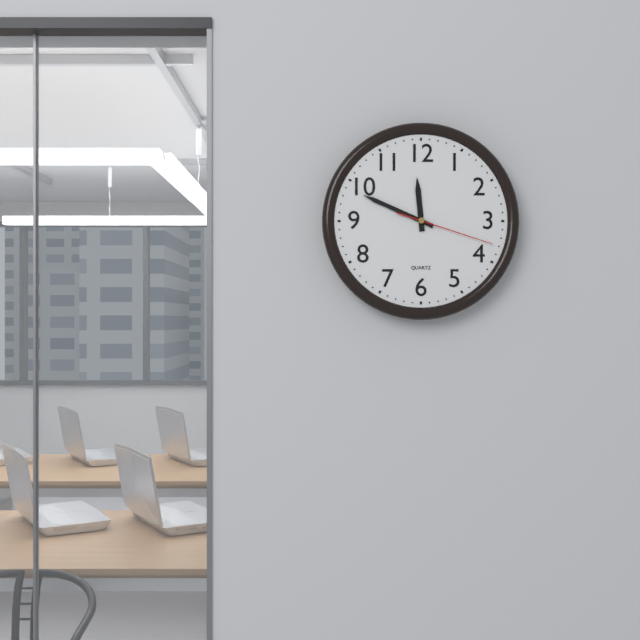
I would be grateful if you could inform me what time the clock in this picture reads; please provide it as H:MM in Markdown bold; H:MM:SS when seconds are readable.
**11:49:18**
